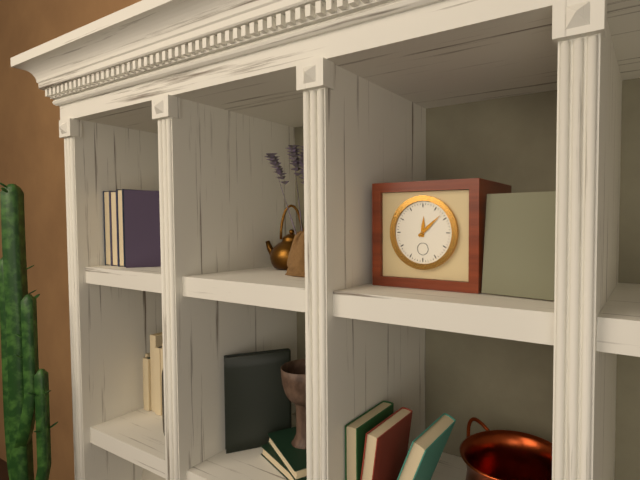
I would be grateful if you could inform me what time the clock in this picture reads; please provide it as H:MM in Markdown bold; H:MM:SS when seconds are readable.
**12:08**
